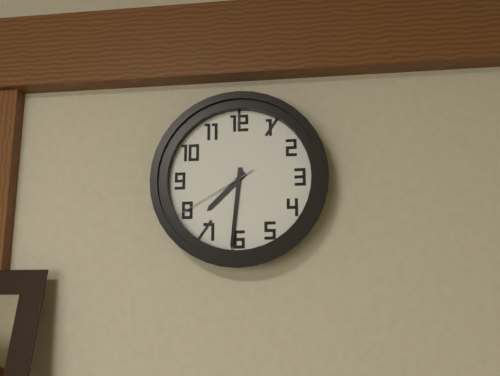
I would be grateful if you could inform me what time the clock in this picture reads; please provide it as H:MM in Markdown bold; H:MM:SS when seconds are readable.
**7:31:40**
